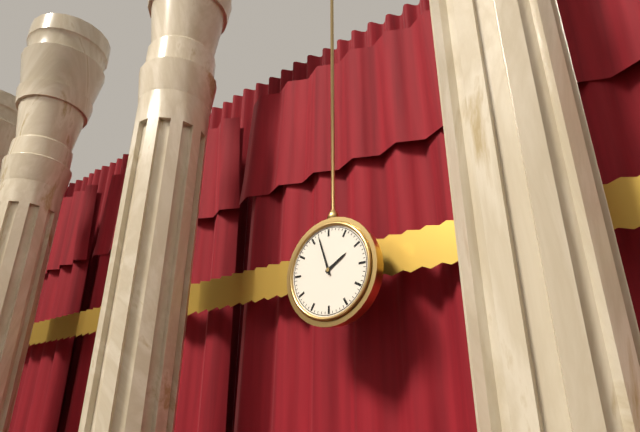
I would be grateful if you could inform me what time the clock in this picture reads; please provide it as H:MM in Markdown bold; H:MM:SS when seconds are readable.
**1:57**
